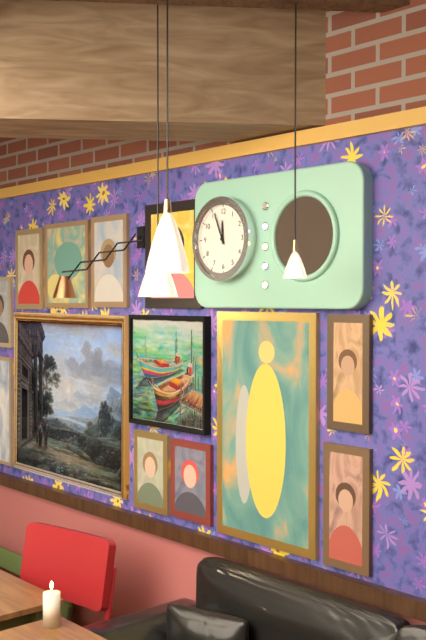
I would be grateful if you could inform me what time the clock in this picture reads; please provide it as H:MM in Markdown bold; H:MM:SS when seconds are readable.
**11:56**
